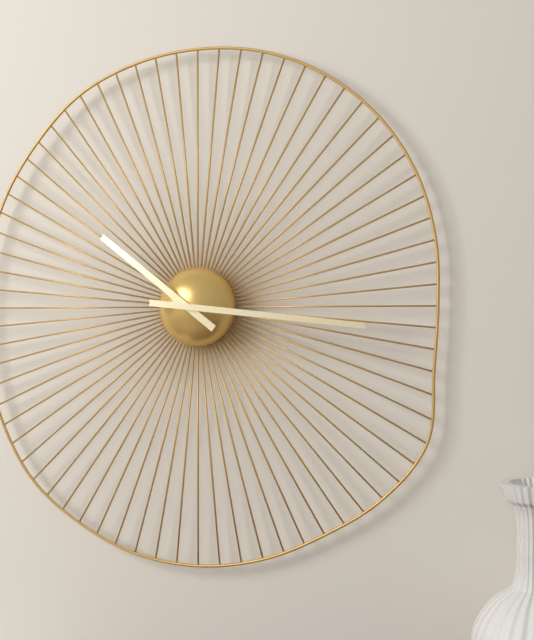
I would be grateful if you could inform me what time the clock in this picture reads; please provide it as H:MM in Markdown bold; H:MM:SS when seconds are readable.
**10:16**
